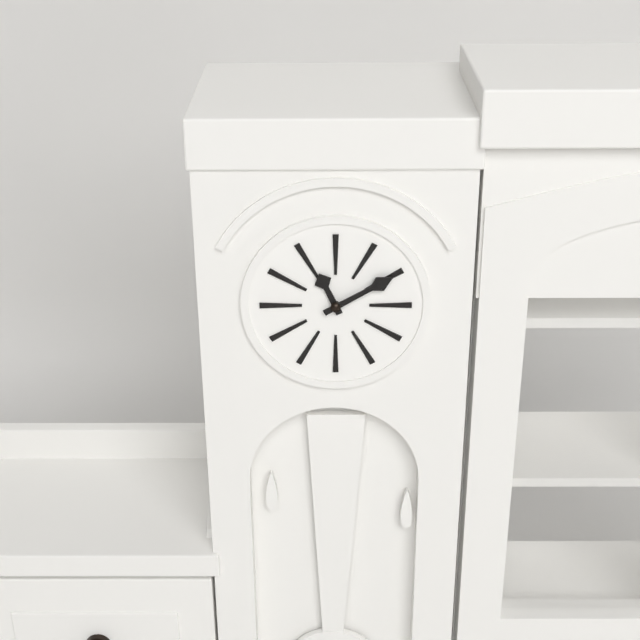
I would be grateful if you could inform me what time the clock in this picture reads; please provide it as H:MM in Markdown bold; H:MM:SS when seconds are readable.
**11:10**
